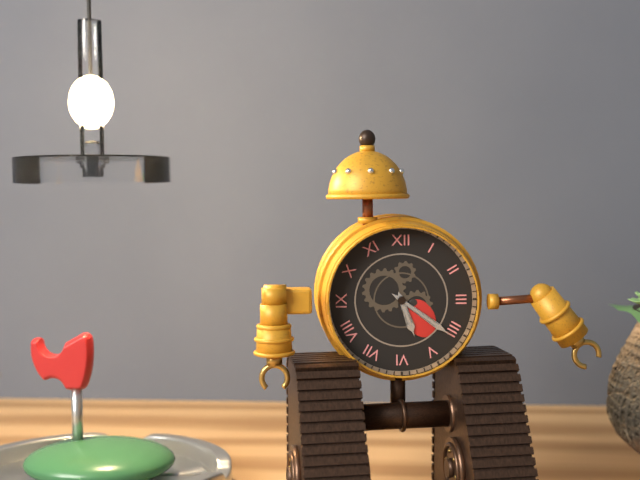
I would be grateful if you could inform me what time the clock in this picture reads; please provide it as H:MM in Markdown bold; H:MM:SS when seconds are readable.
**5:21**
